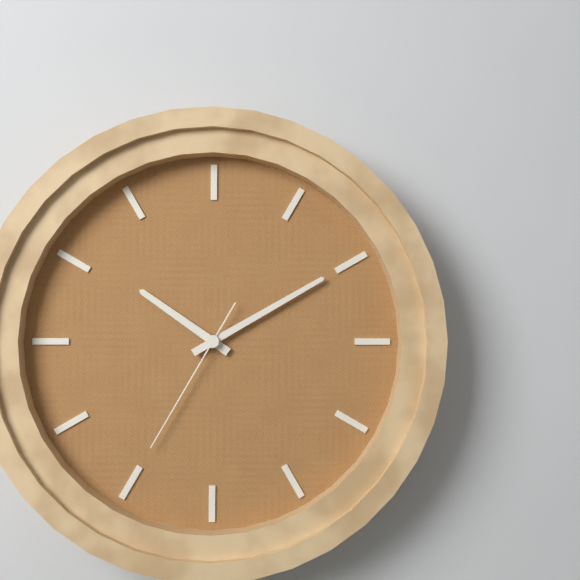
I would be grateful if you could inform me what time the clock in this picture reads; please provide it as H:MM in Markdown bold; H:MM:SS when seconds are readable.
**10:10:35**
